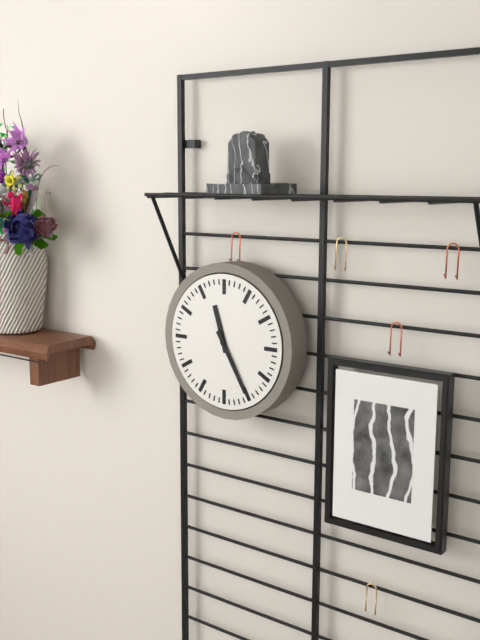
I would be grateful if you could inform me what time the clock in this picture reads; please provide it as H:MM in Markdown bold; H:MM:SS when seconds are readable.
**11:25**
